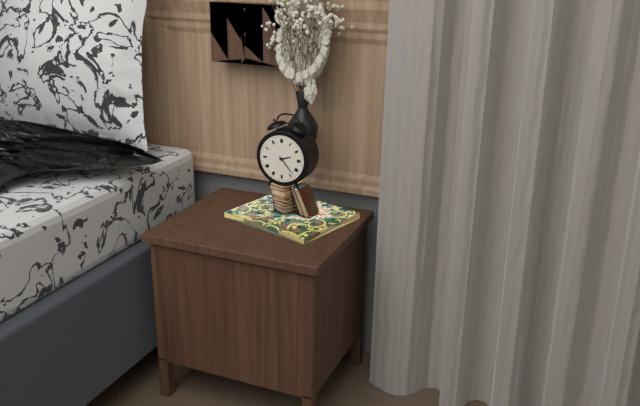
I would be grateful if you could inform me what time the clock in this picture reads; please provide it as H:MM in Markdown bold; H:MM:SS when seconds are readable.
**2:23**
